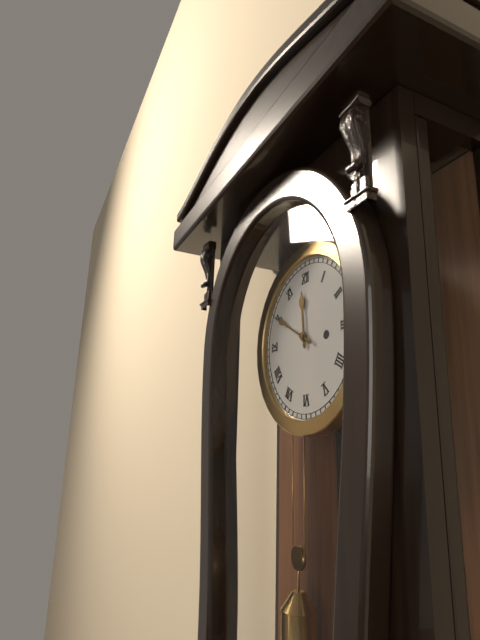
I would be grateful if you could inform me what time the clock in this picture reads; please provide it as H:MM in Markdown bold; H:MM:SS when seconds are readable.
**11:50**
